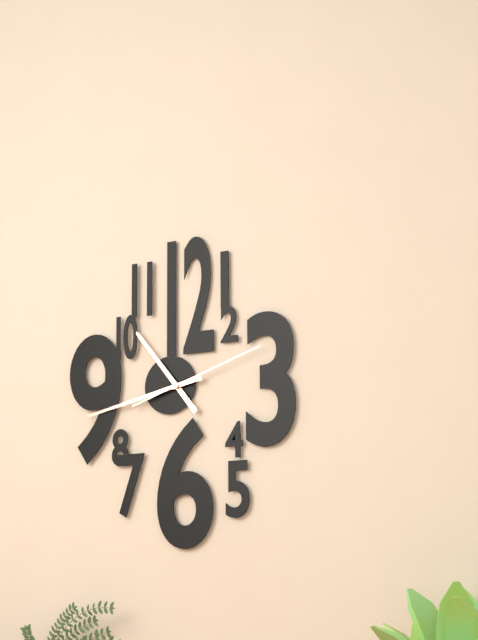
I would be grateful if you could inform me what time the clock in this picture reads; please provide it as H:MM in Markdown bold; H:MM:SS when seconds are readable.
**10:43:12**
